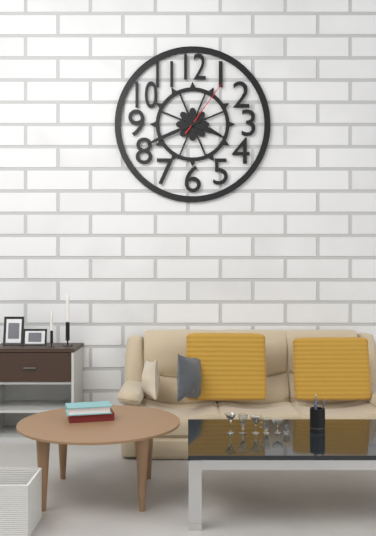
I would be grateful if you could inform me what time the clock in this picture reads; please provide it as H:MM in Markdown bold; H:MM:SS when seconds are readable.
**3:41:06**
